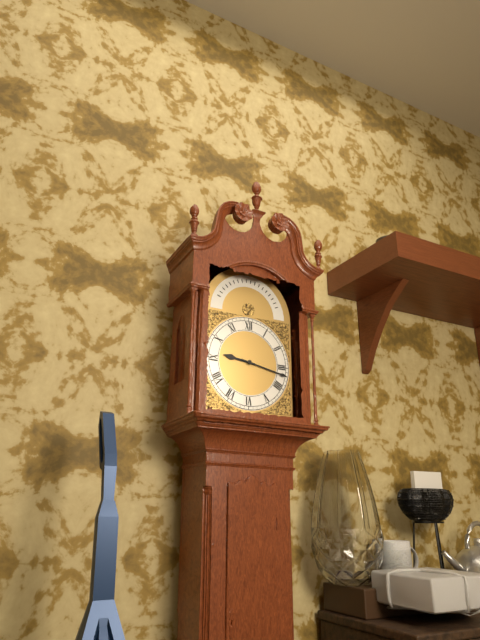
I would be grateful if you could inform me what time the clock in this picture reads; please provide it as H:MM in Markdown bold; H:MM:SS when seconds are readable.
**9:17**
